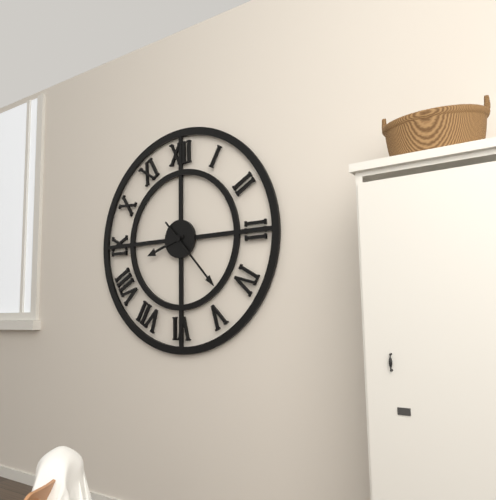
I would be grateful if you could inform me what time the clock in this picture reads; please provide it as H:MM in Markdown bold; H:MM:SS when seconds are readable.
**8:23**
